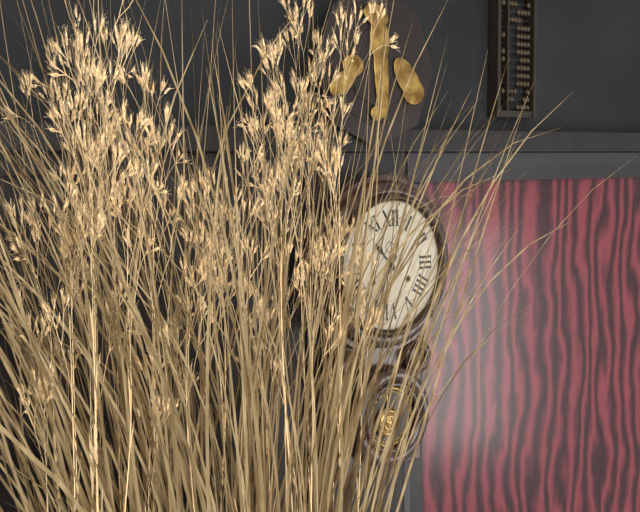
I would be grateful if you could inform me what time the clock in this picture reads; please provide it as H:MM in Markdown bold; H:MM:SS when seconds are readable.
**10:35**
